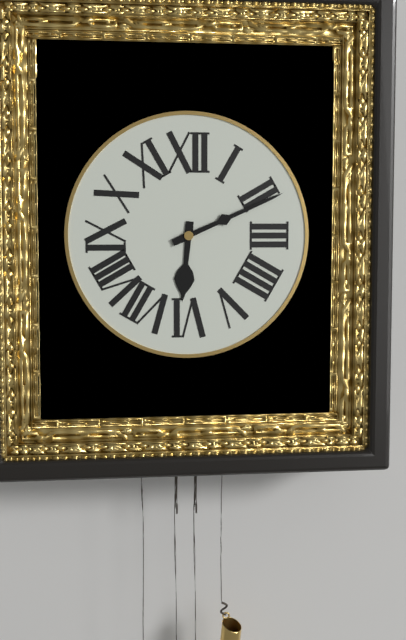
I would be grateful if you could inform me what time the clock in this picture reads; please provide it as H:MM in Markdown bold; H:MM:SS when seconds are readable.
**6:11**
